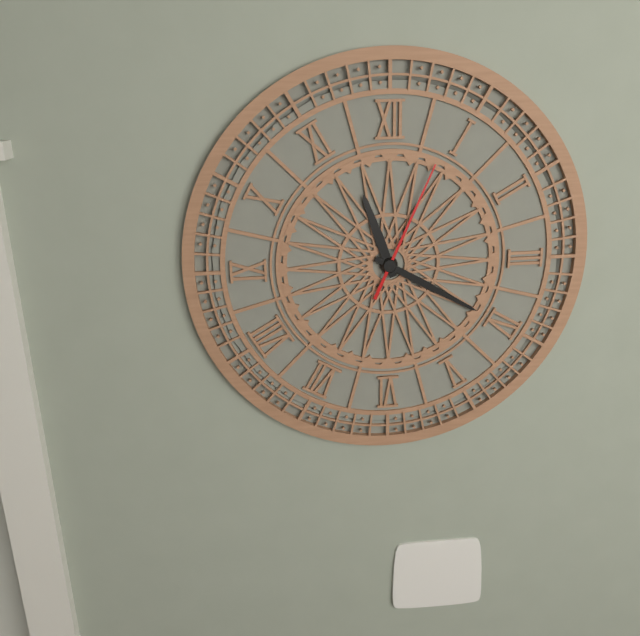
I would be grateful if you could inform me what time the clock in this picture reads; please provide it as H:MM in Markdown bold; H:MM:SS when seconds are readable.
**11:20:04**
